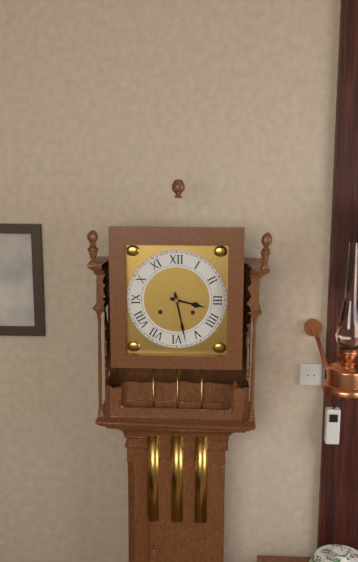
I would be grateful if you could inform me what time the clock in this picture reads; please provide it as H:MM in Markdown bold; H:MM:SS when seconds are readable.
**3:28**
